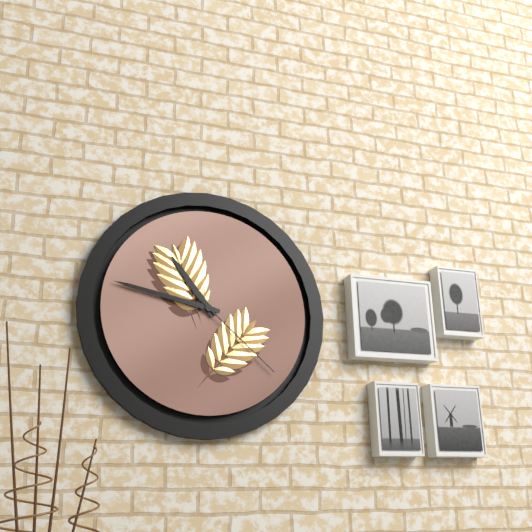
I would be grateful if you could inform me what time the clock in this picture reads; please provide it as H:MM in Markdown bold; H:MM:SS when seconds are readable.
**10:47:22**
